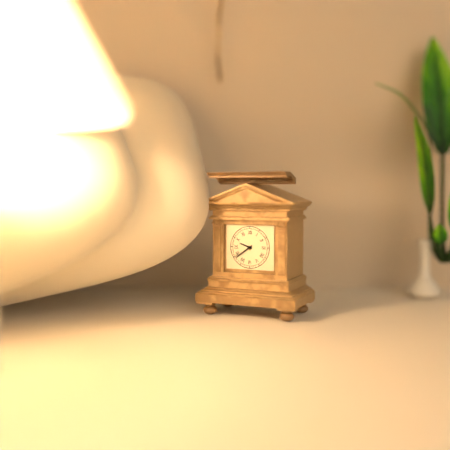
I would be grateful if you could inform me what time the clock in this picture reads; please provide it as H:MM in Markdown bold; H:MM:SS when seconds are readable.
**9:39**
